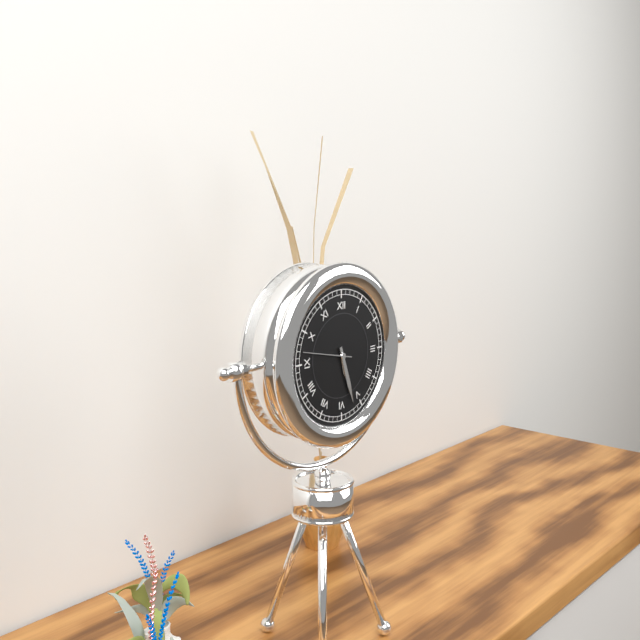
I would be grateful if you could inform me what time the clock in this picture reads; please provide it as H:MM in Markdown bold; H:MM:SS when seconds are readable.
**5:27**
